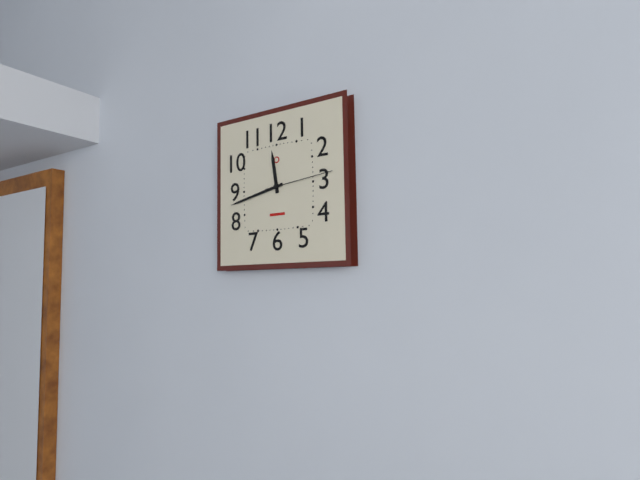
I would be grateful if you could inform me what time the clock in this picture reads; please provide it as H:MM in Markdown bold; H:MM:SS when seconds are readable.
**11:43:14**
